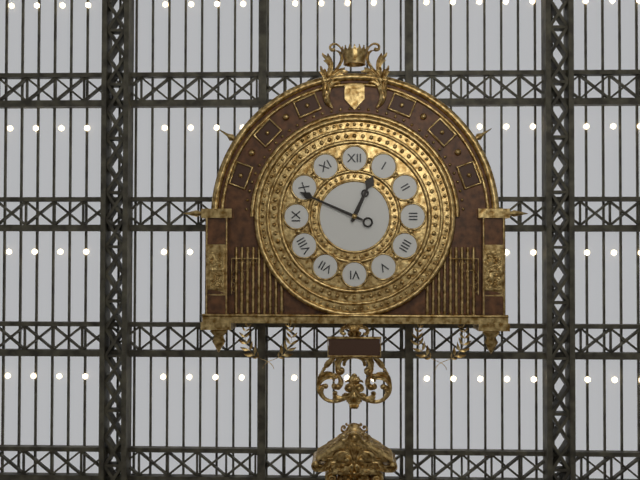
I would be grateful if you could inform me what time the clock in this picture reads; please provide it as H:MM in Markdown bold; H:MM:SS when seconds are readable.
**12:49**
